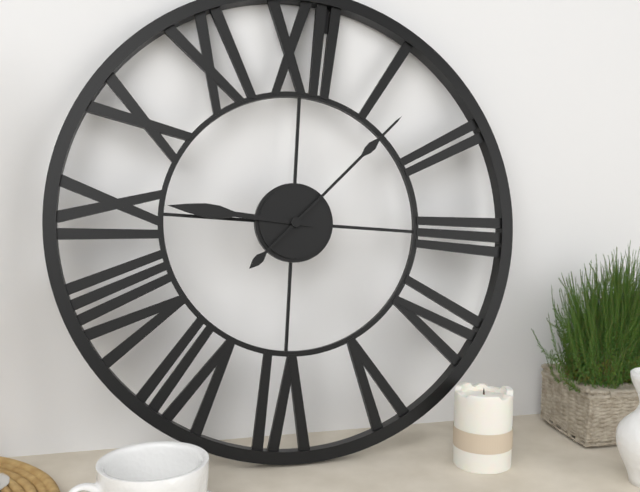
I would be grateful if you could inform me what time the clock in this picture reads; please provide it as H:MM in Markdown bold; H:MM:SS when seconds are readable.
**9:07**
